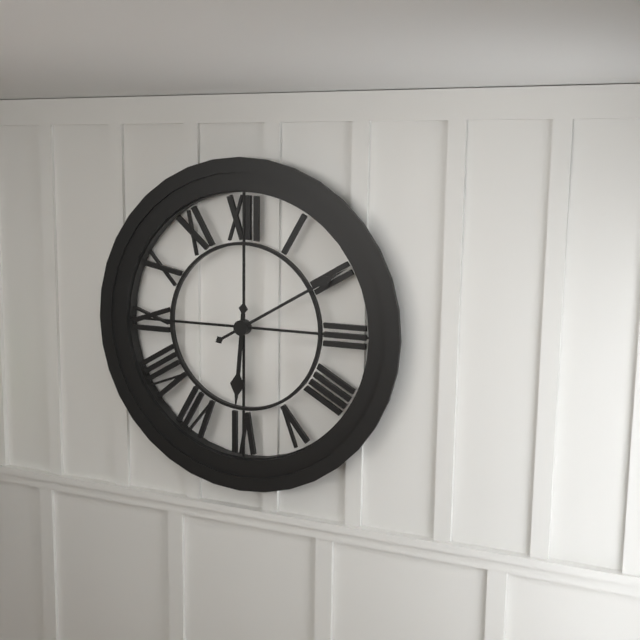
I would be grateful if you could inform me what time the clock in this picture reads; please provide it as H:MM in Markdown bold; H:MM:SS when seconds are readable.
**6:10**
